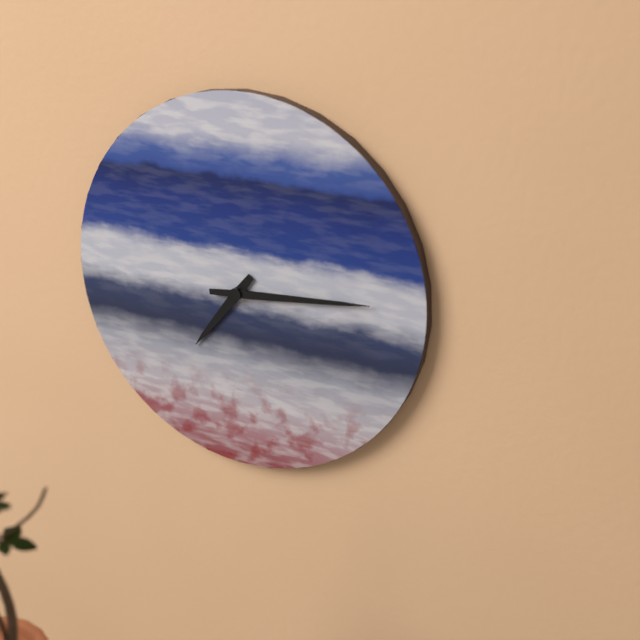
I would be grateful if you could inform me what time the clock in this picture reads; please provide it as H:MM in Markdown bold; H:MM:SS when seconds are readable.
**7:14**
